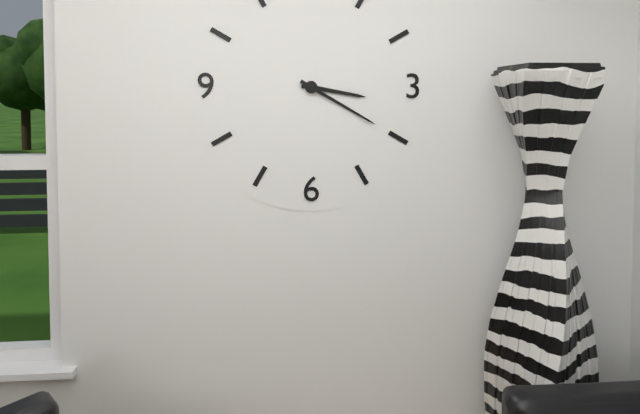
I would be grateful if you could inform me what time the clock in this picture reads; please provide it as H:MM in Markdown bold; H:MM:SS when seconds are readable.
**3:20**
